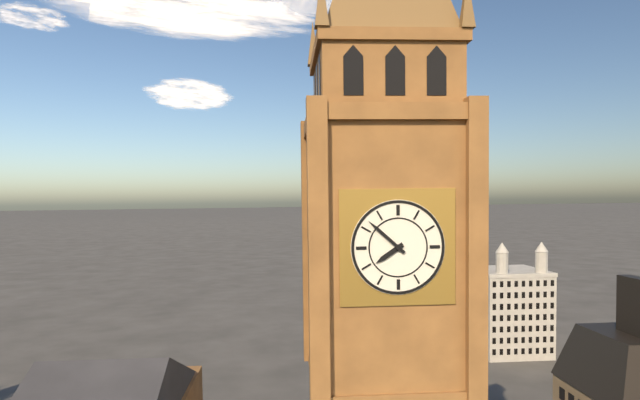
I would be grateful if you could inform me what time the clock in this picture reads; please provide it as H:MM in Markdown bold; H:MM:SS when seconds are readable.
**7:52**
